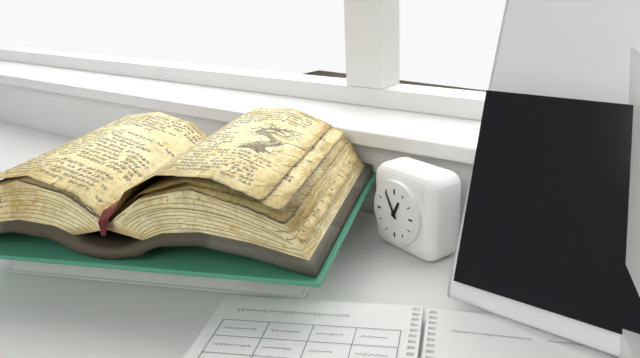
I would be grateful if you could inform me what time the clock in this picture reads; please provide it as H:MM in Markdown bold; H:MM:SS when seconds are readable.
**12:55**
